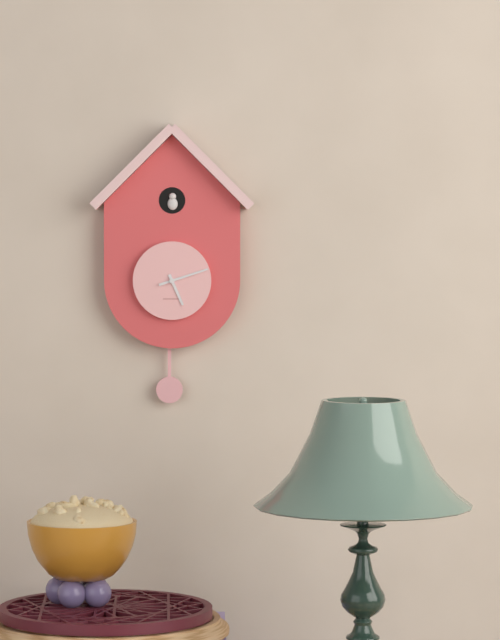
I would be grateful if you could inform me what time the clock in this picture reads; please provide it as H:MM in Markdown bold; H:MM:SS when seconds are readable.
**5:12**
